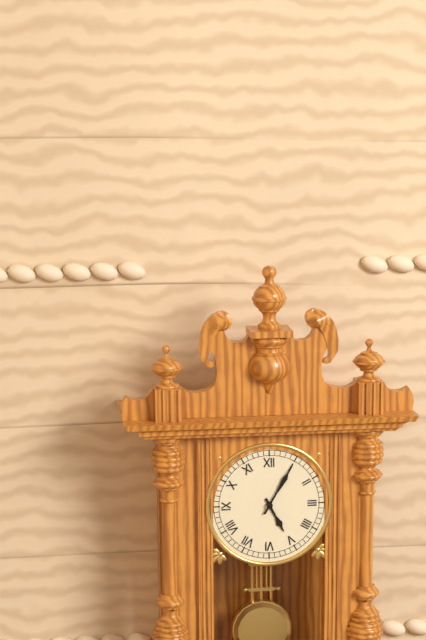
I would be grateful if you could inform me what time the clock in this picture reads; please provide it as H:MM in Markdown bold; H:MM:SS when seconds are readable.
**5:05**
